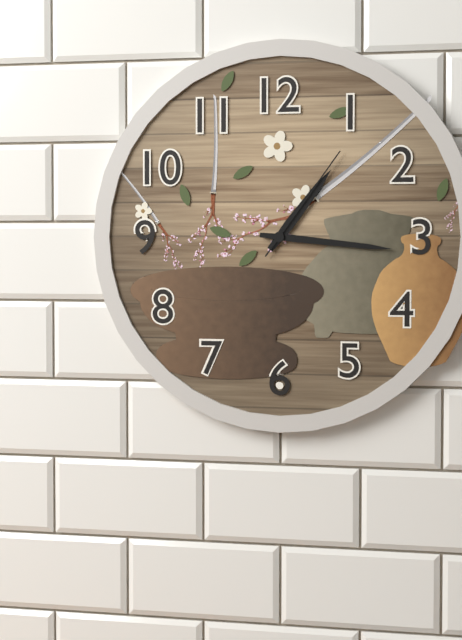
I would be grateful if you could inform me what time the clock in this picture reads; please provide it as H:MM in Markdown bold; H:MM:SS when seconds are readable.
**1:16:06**
